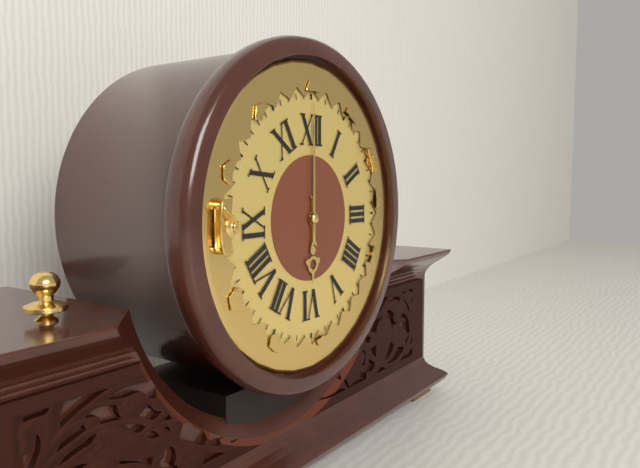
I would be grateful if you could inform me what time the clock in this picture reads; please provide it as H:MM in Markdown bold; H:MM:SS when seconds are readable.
**6:00**
